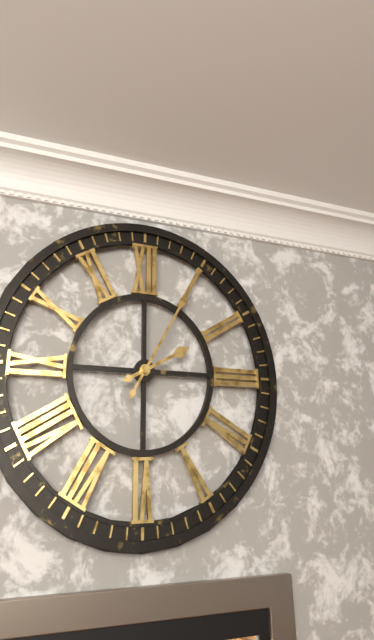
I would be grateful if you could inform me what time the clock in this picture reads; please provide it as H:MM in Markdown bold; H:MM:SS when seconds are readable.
**2:05**
